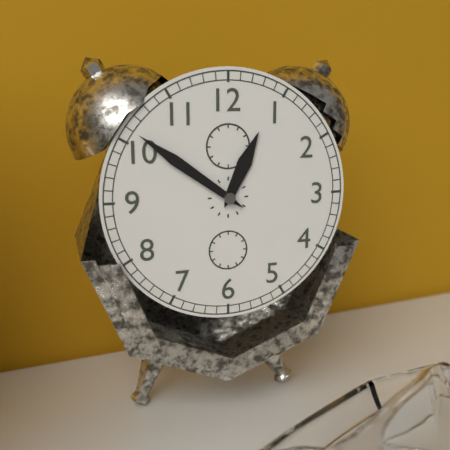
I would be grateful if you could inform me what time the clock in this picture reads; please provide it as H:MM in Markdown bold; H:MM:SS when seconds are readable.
**12:51**
